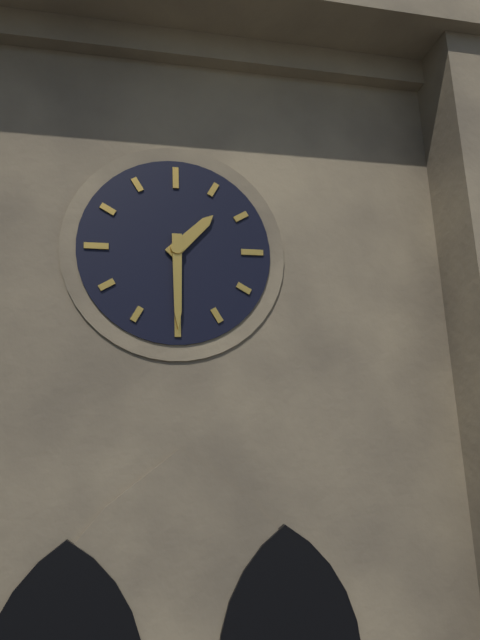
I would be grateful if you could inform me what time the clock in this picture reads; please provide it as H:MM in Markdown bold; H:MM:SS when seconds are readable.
**1:30**
